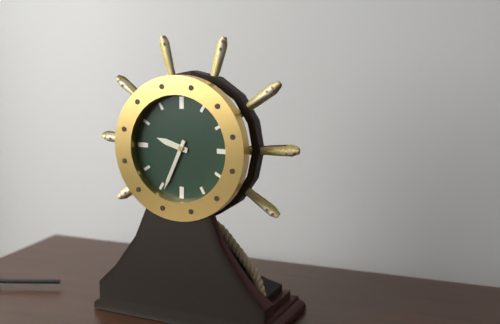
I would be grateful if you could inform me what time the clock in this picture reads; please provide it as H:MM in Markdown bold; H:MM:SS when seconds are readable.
**9:34**
